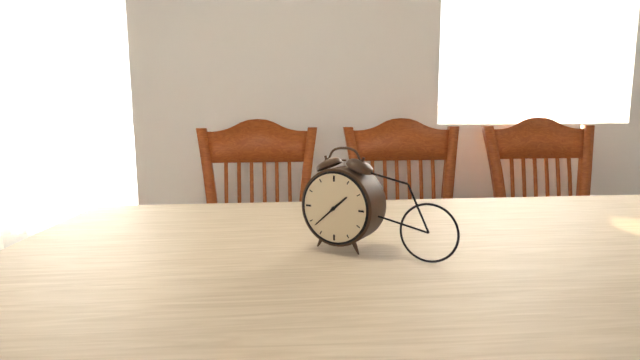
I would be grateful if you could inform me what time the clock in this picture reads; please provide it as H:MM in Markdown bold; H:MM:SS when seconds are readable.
**1:38**
